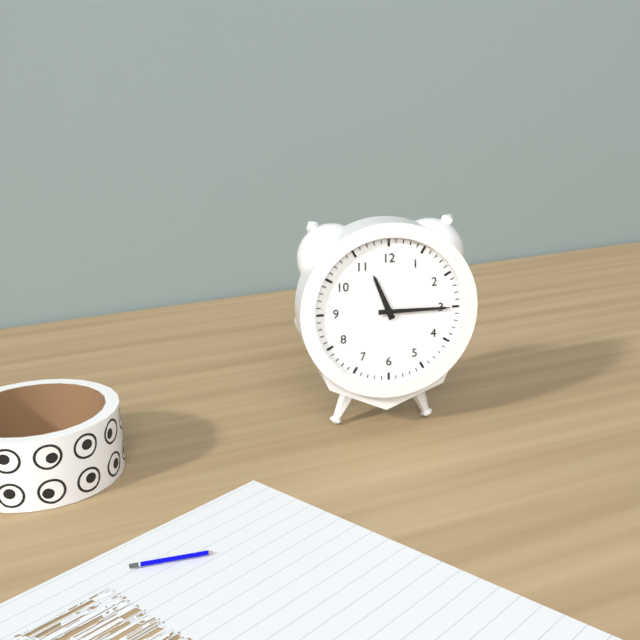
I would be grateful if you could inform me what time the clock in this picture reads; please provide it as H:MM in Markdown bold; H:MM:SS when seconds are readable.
**11:15**
